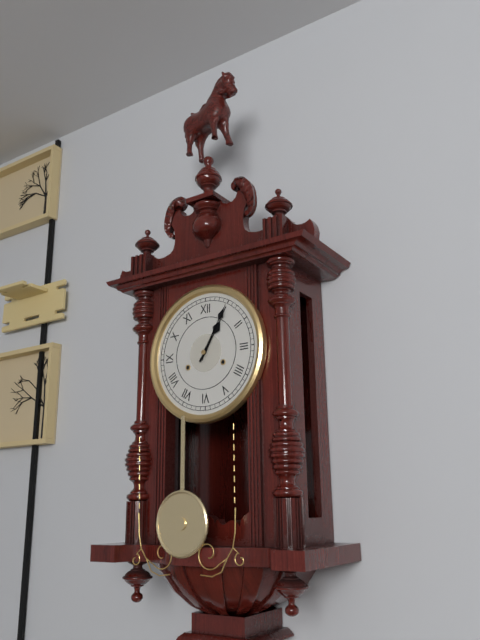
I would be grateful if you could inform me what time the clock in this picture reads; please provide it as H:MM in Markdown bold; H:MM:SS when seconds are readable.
**1:05**
